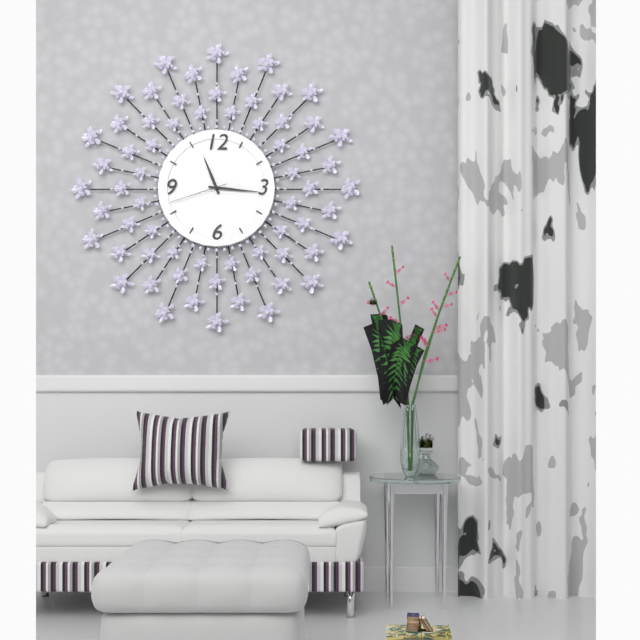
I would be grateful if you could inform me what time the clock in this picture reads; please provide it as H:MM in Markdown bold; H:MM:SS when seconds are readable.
**11:16:42**
